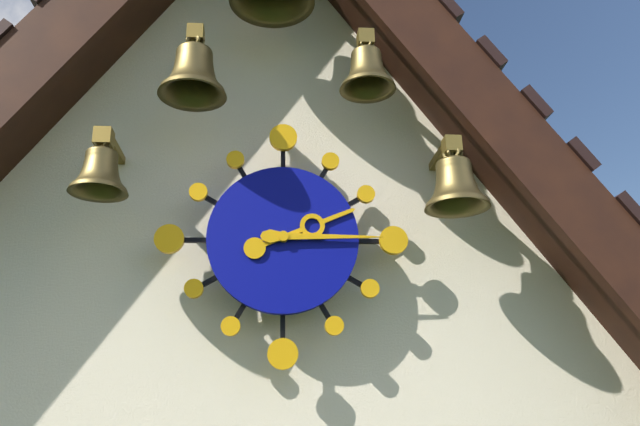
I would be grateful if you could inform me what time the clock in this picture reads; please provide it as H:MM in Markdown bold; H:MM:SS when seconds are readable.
**2:15**
